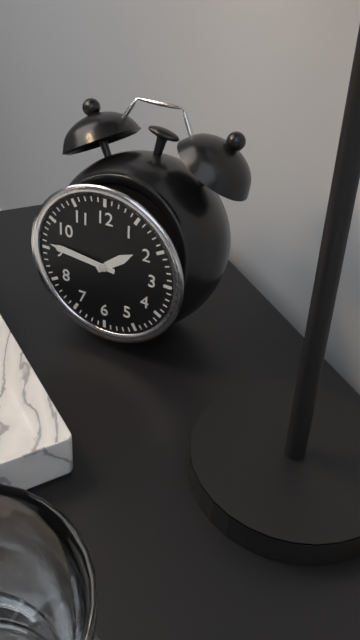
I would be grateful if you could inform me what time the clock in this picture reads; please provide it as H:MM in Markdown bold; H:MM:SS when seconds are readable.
**1:46**
